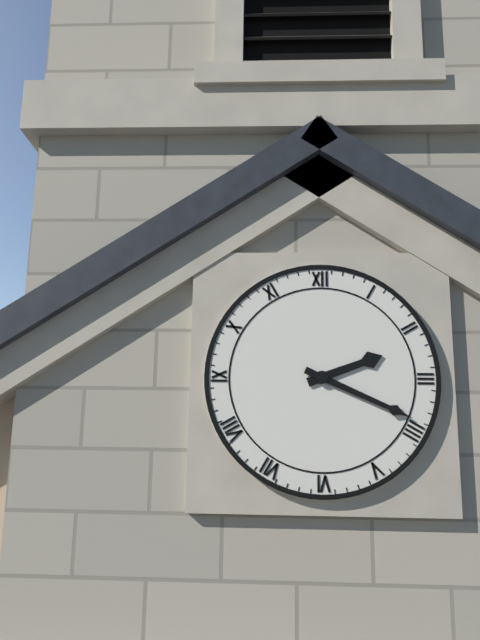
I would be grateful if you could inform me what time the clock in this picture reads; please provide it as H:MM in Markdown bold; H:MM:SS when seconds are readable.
**2:19**
